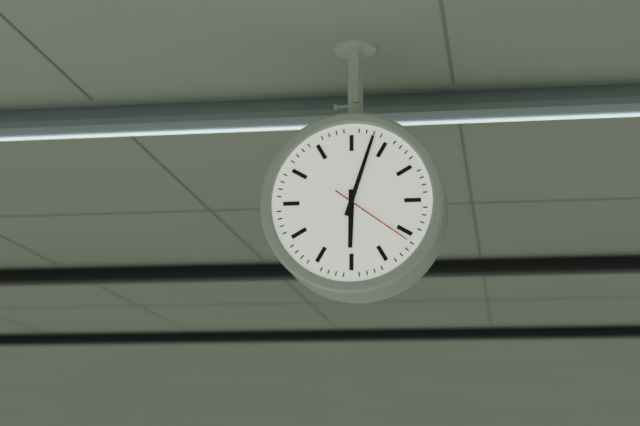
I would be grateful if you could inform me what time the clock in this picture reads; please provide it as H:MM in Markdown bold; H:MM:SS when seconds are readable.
**6:03:21**
